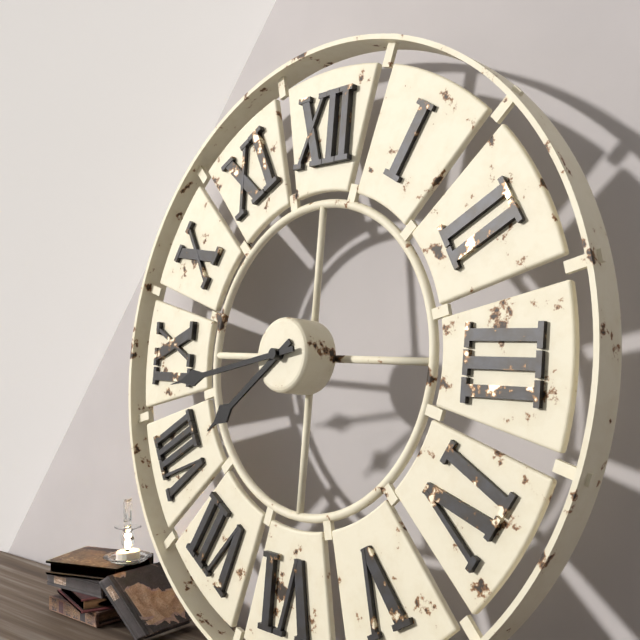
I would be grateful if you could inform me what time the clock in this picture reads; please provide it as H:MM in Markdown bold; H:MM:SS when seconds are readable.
**7:43**
